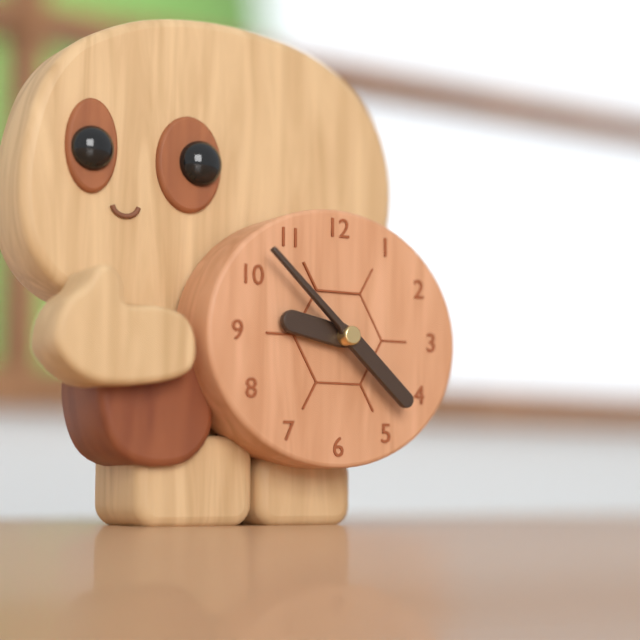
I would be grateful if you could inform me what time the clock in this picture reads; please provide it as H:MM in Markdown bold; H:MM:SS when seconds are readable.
**9:22**
